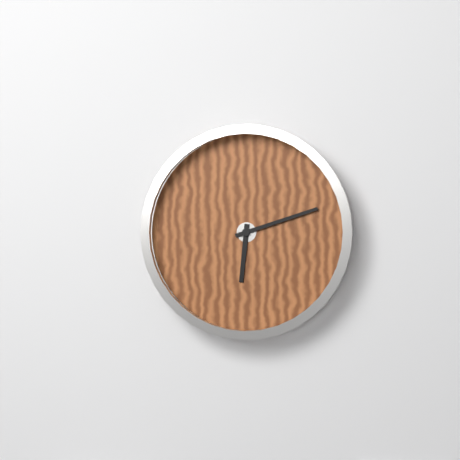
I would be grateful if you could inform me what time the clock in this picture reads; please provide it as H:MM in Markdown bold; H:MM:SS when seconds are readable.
**6:12**
